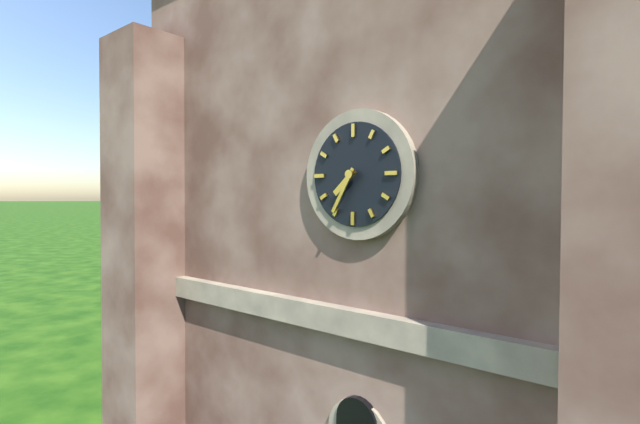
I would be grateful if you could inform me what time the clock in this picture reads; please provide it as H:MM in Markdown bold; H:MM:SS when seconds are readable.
**7:35**
